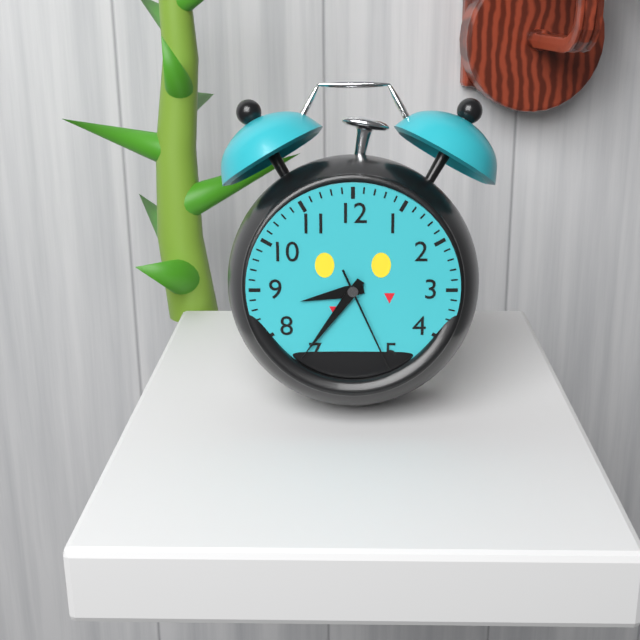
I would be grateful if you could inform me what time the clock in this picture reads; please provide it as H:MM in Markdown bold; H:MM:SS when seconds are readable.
**8:36:26**
